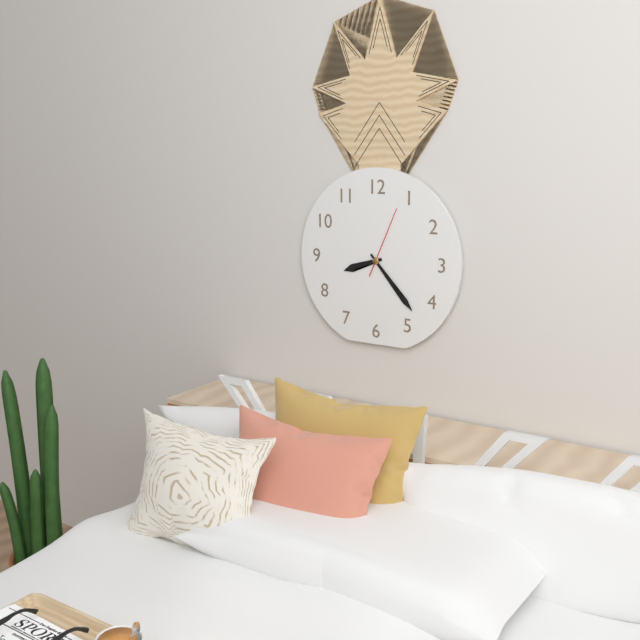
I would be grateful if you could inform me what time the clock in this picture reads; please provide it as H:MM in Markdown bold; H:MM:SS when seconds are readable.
**8:23:04**
